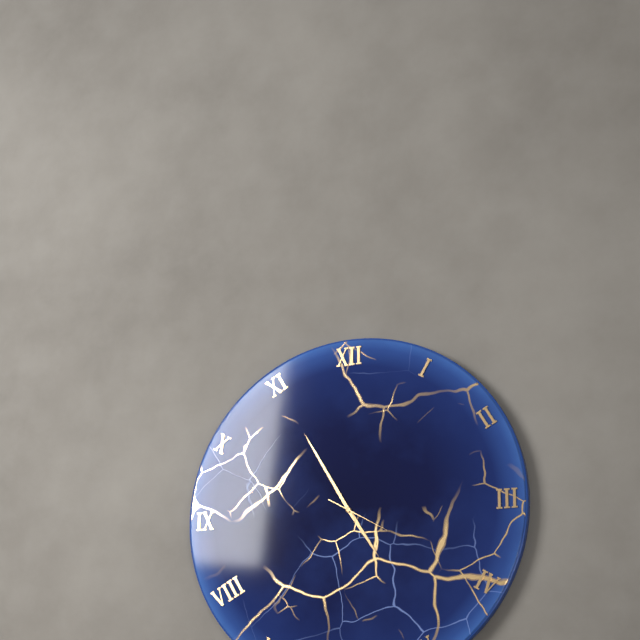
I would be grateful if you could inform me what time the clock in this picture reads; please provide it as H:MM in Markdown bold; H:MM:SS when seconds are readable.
**4:55:20**
